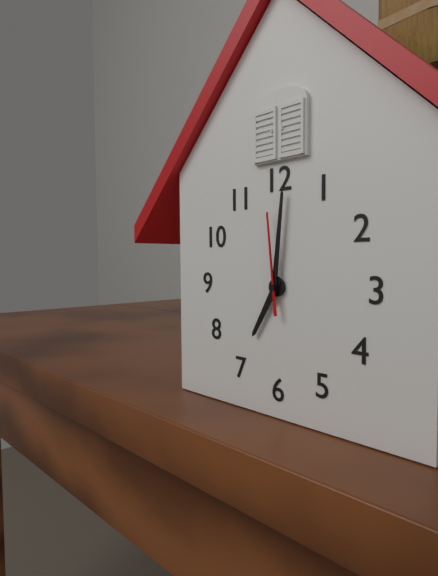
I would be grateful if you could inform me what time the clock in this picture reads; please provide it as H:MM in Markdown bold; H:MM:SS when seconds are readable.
**7:01:59**
